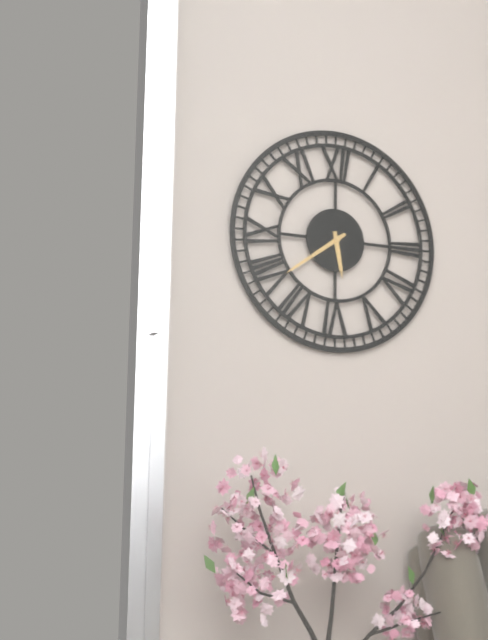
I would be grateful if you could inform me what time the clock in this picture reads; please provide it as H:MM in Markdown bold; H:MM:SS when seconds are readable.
**5:39**
